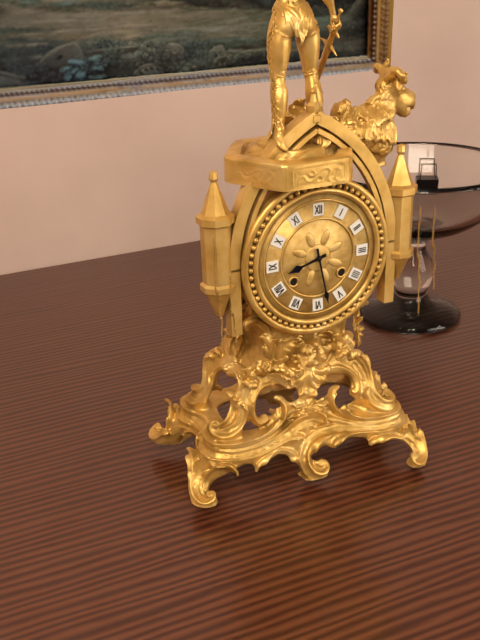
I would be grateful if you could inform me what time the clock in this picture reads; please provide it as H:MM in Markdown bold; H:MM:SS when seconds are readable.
**8:28**
